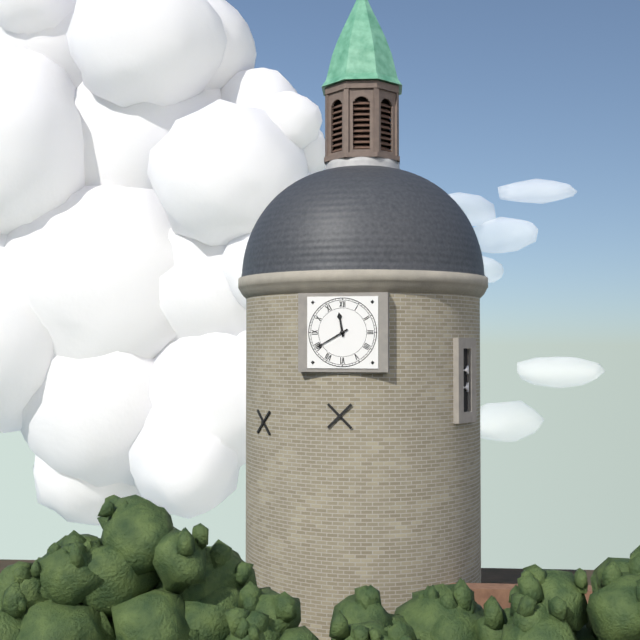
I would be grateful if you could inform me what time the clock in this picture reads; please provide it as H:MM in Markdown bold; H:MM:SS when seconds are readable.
**11:40**
